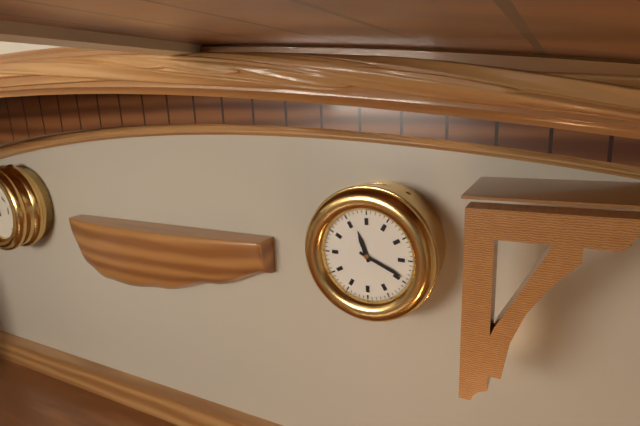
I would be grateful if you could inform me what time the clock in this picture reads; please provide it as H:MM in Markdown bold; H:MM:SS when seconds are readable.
**11:19**
